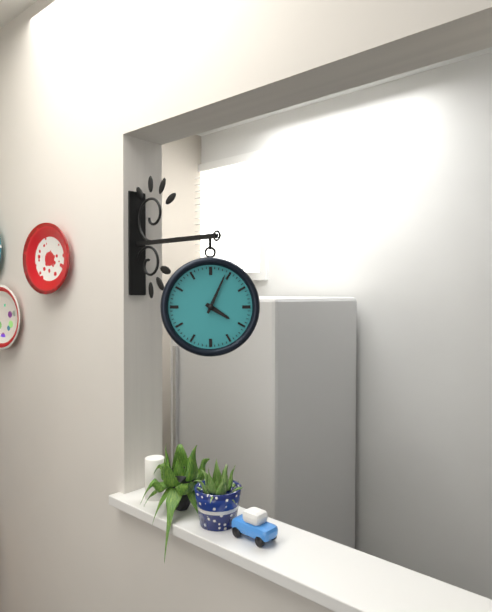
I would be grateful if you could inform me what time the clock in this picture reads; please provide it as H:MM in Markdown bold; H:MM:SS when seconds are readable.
**4:04**
